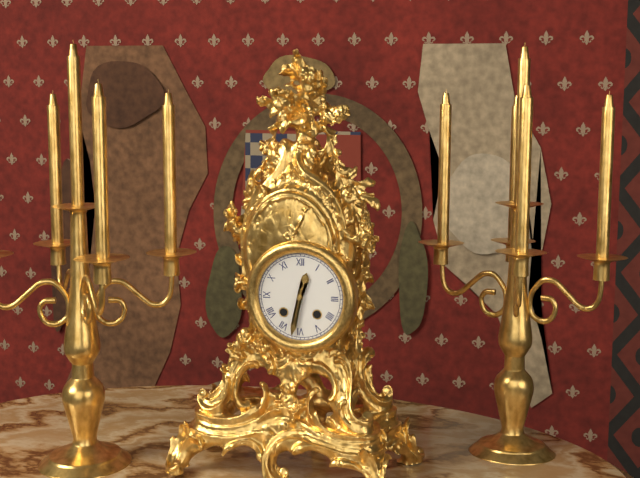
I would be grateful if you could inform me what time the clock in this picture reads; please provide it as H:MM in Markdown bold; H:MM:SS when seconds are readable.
**12:32**
